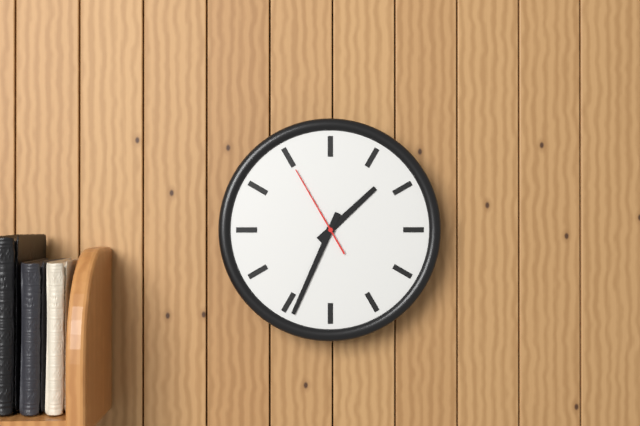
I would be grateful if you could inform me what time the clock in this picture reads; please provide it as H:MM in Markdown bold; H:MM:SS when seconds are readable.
**1:34:55**
